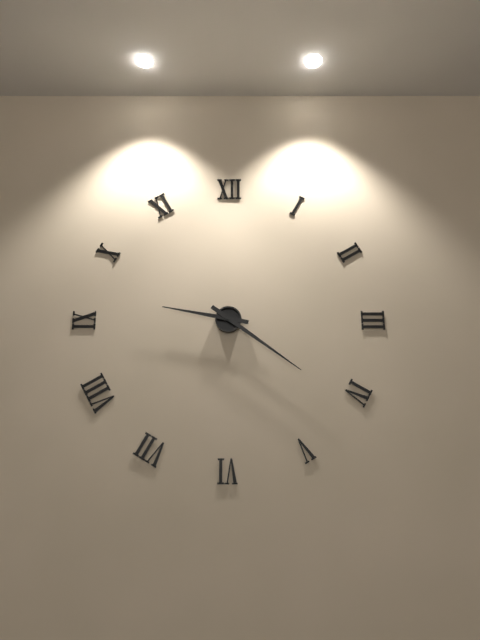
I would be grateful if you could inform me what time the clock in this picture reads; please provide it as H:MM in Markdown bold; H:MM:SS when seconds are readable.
**9:21**
